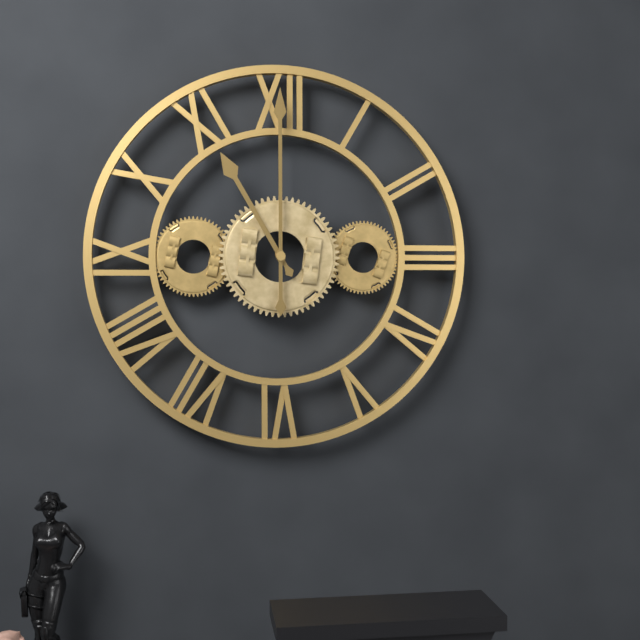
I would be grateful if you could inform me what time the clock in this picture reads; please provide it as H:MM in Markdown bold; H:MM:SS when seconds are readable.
**11:00**
